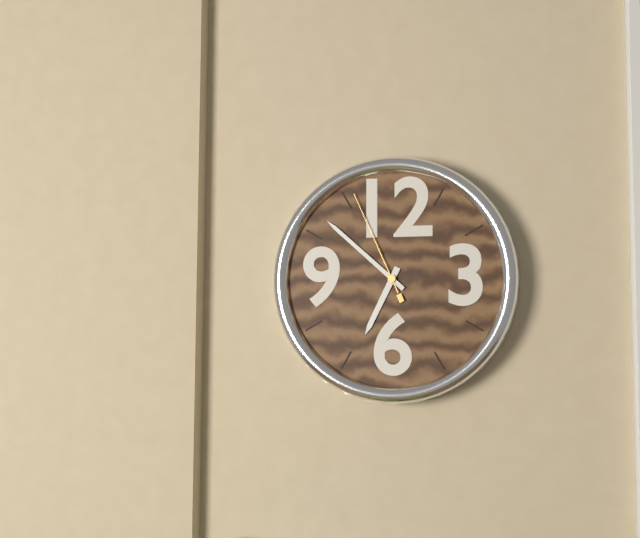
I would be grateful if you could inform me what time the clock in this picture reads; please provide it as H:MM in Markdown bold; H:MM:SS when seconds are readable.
**6:52:56**
